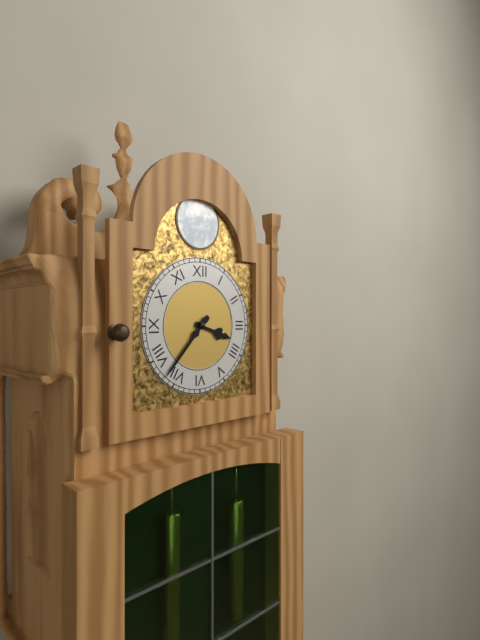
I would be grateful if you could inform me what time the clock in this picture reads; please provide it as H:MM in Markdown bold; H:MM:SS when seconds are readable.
**3:37**
